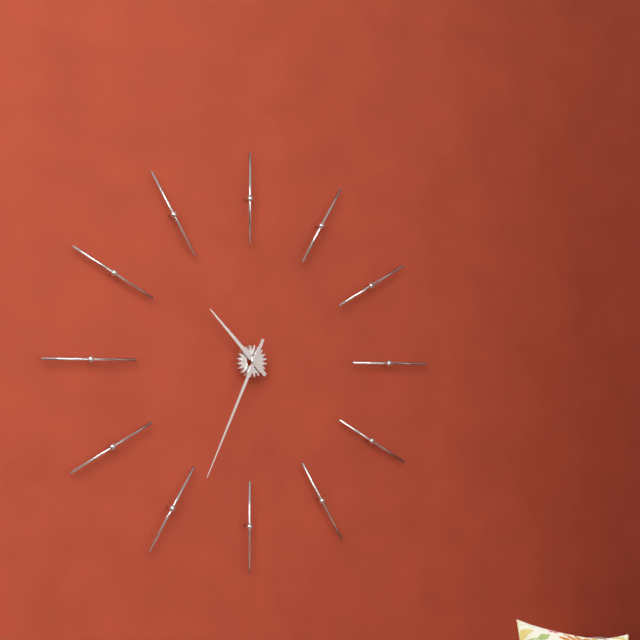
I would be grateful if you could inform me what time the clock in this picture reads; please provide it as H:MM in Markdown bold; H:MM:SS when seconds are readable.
**10:34**
